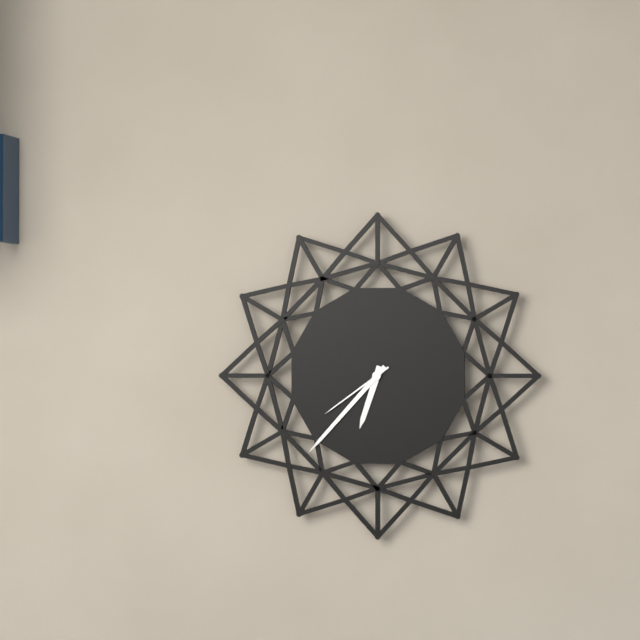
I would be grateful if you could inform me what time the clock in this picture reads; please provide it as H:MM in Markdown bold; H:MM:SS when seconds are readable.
**6:37:39**
